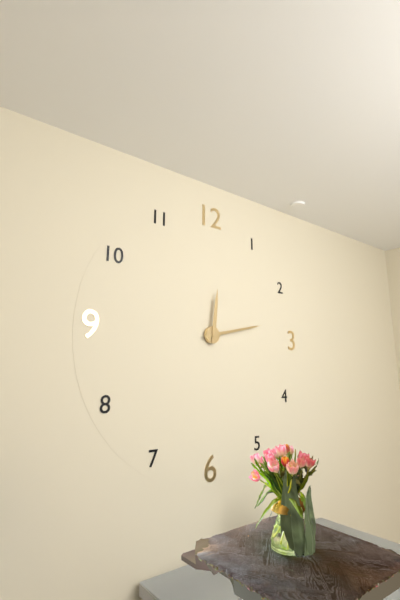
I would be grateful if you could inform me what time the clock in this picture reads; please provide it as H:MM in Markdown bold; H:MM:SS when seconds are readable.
**12:13**
